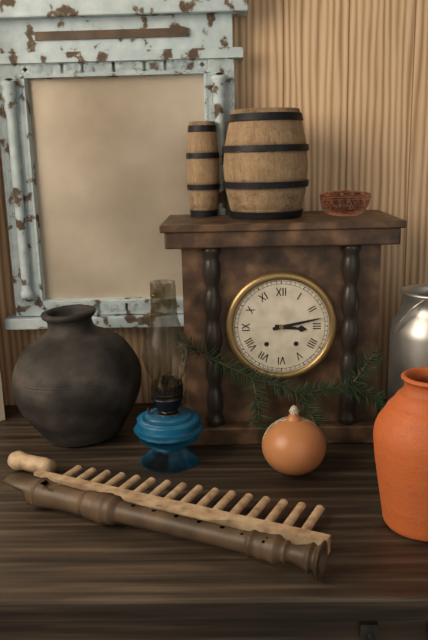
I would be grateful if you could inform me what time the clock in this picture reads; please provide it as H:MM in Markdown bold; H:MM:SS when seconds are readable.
**3:13**
